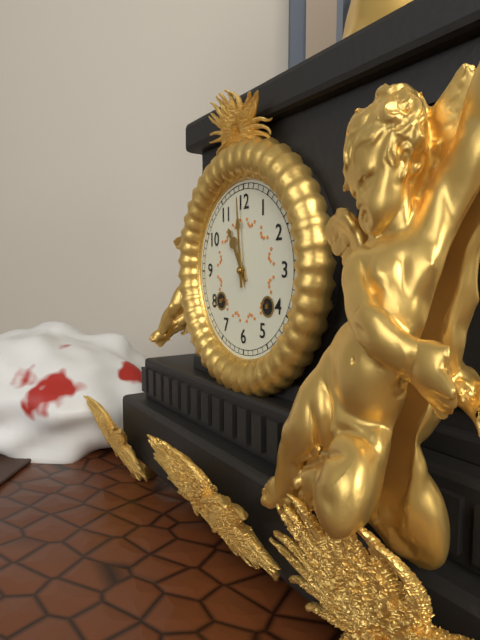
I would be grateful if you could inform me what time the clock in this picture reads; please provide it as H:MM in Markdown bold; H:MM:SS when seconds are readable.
**10:59**
